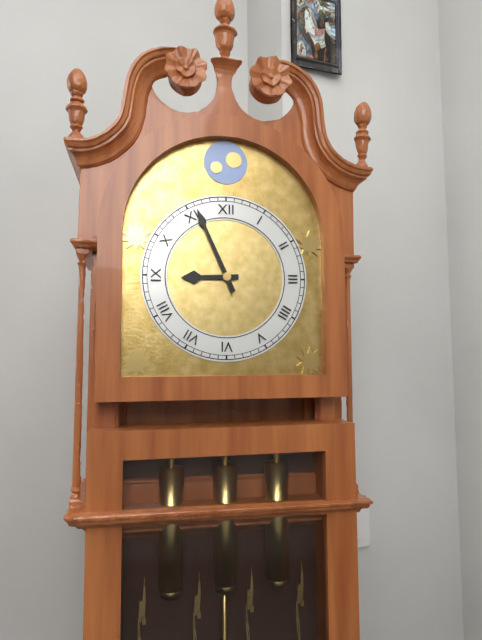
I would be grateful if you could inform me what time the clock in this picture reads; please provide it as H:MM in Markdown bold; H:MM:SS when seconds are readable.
**8:56**
